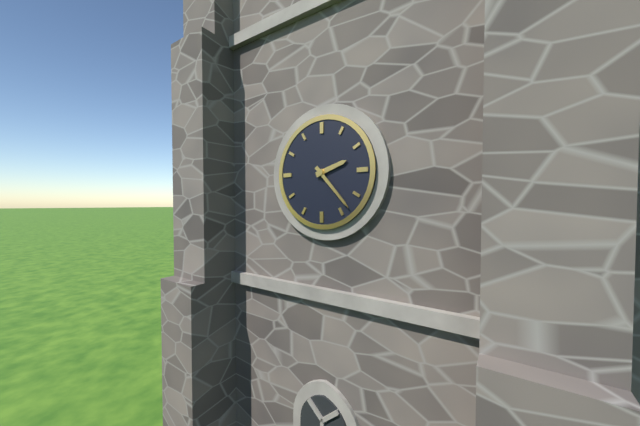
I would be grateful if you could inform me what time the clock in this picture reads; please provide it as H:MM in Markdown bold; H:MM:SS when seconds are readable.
**2:23**
